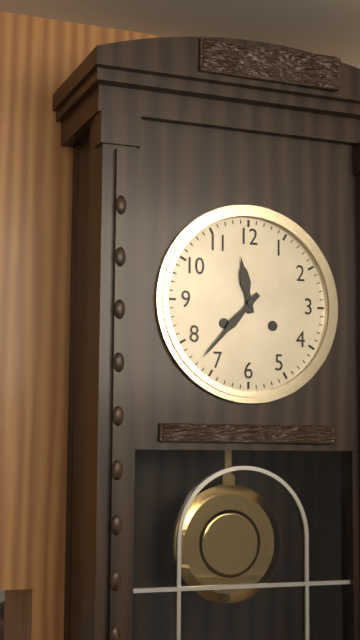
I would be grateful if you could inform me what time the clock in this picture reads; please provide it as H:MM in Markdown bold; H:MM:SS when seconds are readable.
**11:37**
